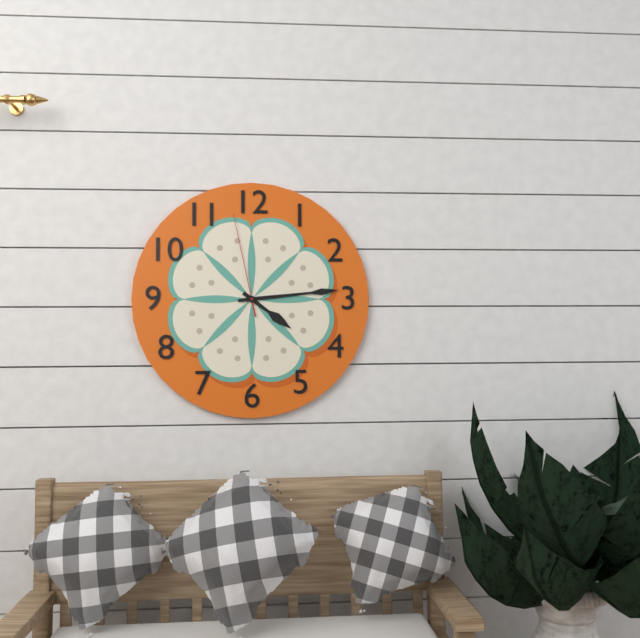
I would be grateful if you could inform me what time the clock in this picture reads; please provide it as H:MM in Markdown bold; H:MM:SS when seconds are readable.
**4:14:58**
